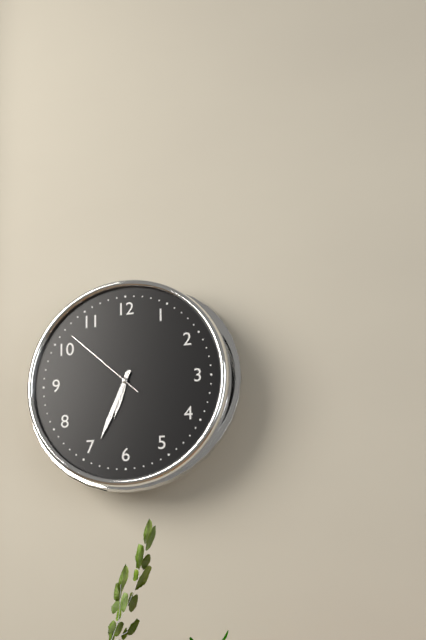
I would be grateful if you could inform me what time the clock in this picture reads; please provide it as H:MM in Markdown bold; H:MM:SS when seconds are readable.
**6:34:52**
